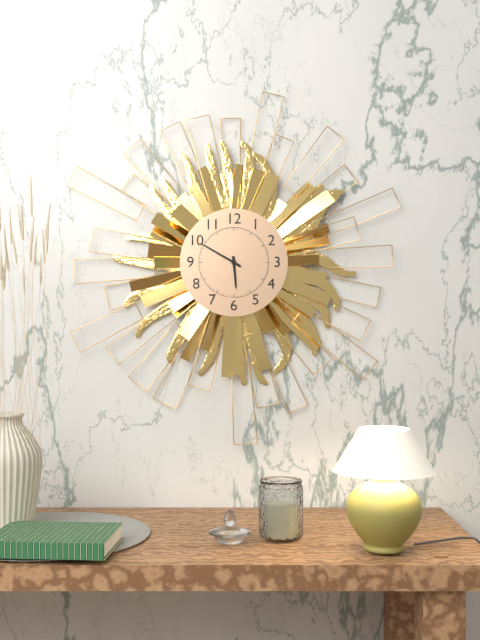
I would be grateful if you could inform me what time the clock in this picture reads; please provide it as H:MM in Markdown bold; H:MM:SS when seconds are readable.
**5:50**
